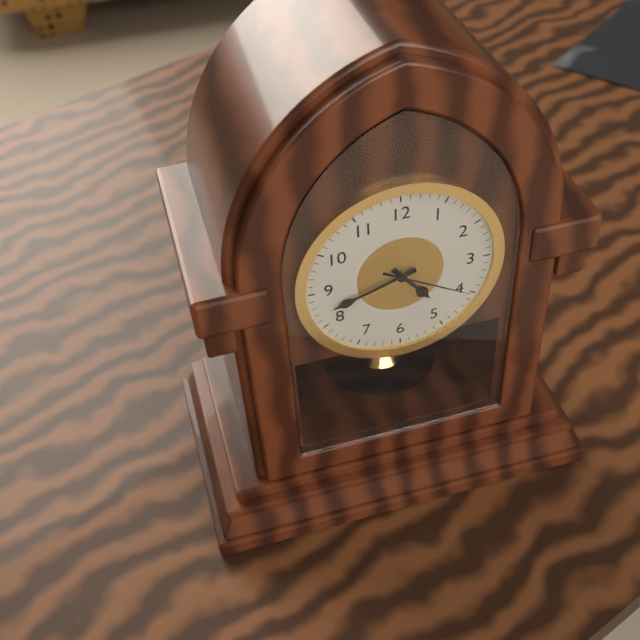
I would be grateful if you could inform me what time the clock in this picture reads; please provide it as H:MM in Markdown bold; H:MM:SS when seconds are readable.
**4:42:20**
